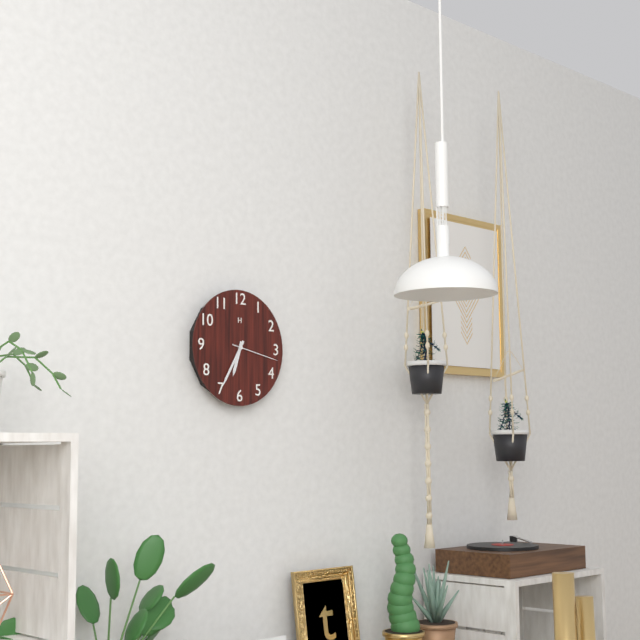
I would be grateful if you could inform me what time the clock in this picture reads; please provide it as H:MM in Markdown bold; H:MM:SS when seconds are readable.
**6:35:17**
